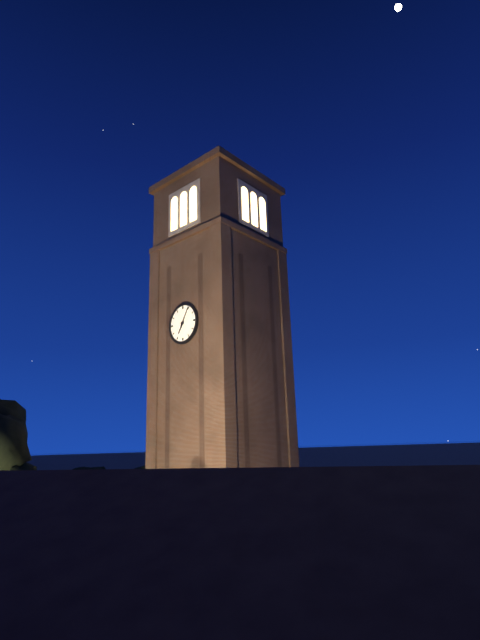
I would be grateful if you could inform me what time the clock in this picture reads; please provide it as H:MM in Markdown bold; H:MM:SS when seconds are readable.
**7:05**
